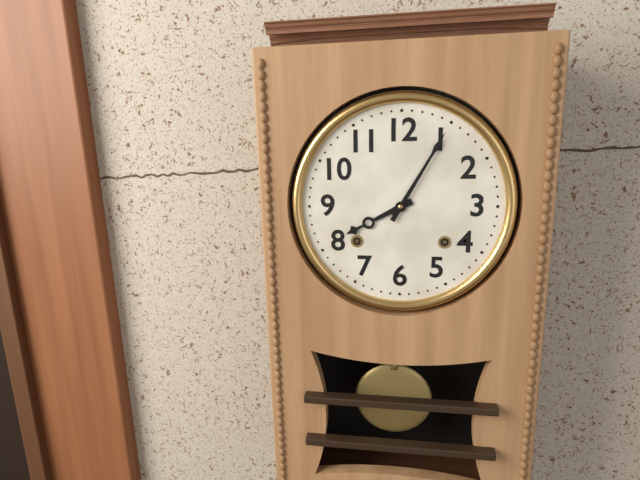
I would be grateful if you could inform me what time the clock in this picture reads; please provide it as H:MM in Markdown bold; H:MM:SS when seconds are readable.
**8:05**
